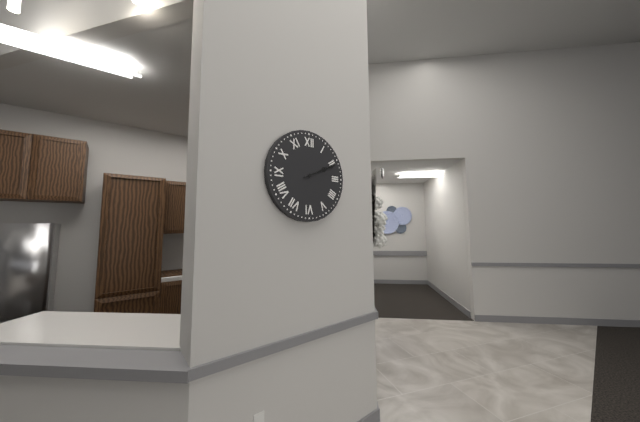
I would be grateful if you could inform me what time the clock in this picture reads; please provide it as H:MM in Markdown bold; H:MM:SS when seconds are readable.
**2:11**
